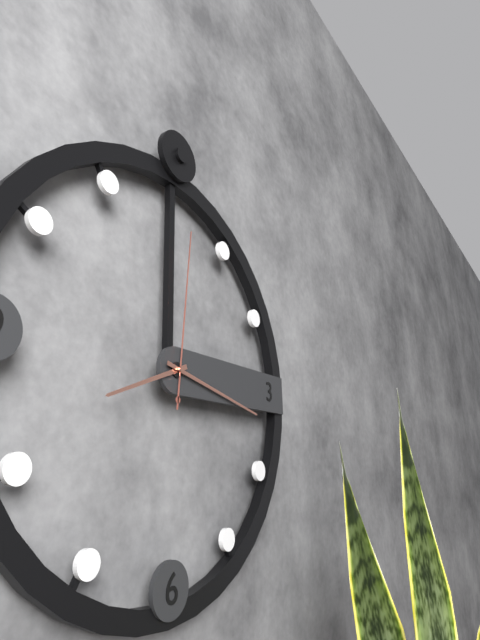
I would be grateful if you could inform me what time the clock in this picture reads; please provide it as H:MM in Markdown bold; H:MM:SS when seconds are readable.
**8:17:01**
